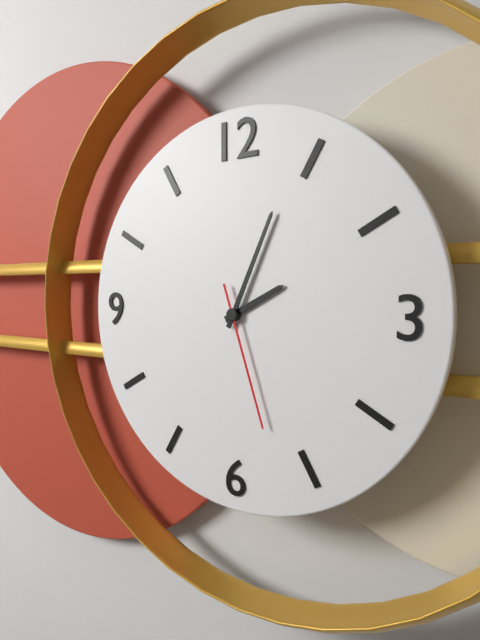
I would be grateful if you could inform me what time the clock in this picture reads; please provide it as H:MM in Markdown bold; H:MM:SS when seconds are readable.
**2:04:27**
